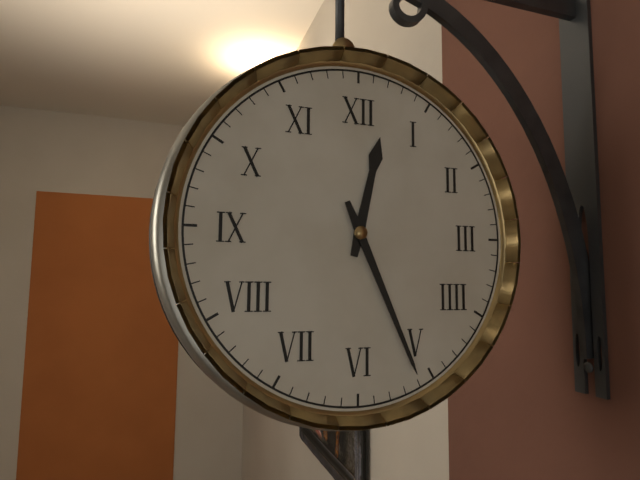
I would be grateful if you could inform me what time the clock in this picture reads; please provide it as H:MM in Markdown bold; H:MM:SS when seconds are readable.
**12:26**
